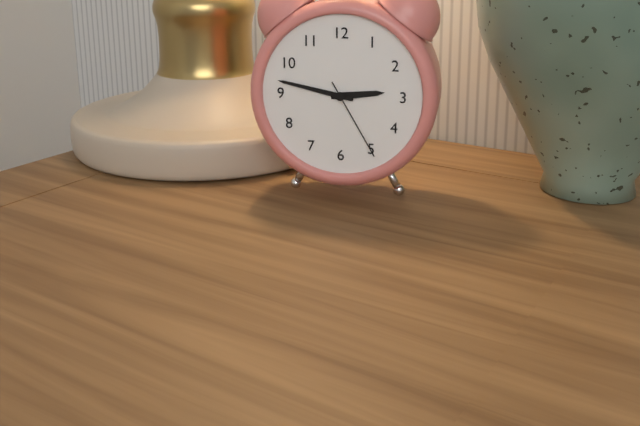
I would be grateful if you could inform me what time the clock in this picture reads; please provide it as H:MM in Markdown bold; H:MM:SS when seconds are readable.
**2:47:25**
